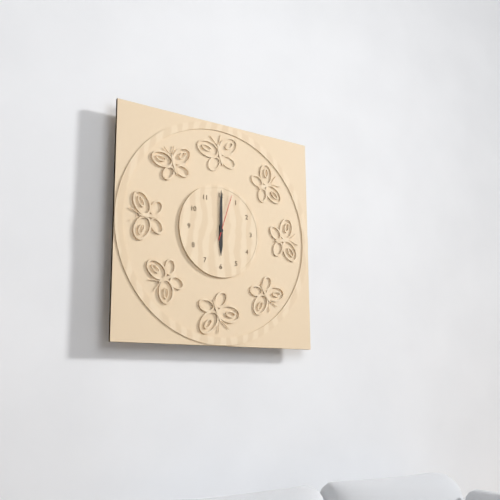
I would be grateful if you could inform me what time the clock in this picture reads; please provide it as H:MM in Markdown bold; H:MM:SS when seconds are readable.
**6:00**
